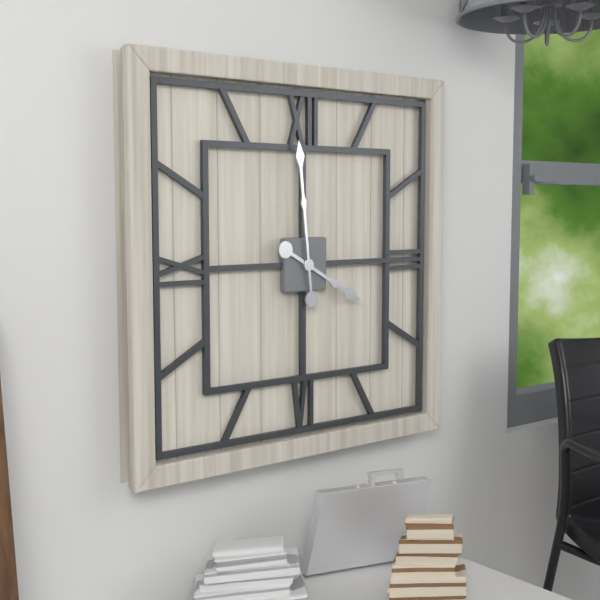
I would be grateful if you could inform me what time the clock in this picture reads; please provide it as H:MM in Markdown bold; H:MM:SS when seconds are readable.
**3:59**
